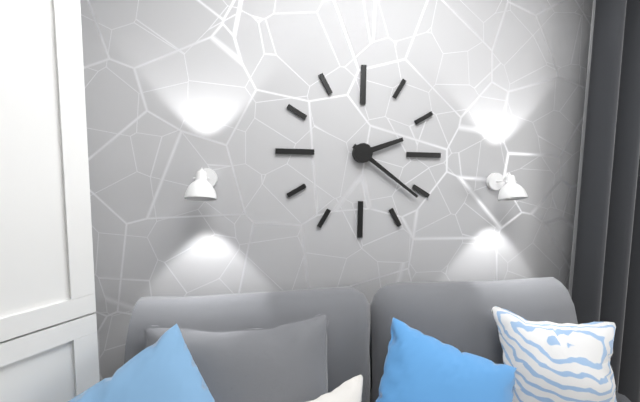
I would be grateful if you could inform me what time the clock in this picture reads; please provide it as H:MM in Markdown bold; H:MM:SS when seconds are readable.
**2:21**
